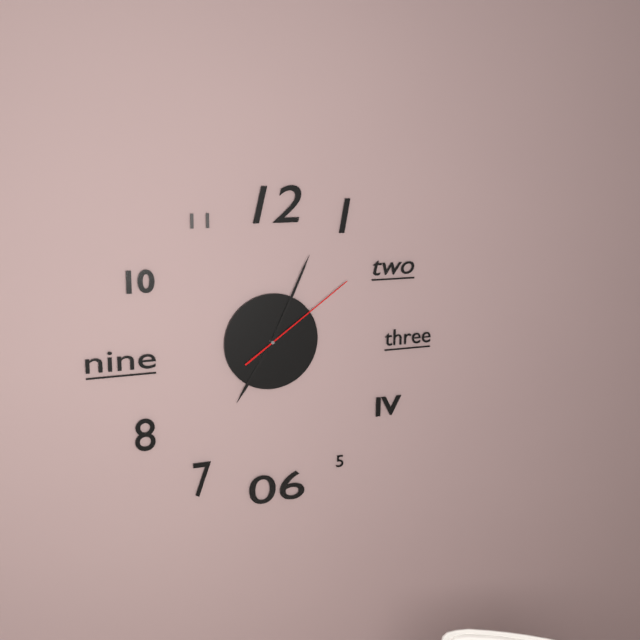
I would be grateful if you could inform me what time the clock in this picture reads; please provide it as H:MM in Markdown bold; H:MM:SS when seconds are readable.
**7:04:09**
